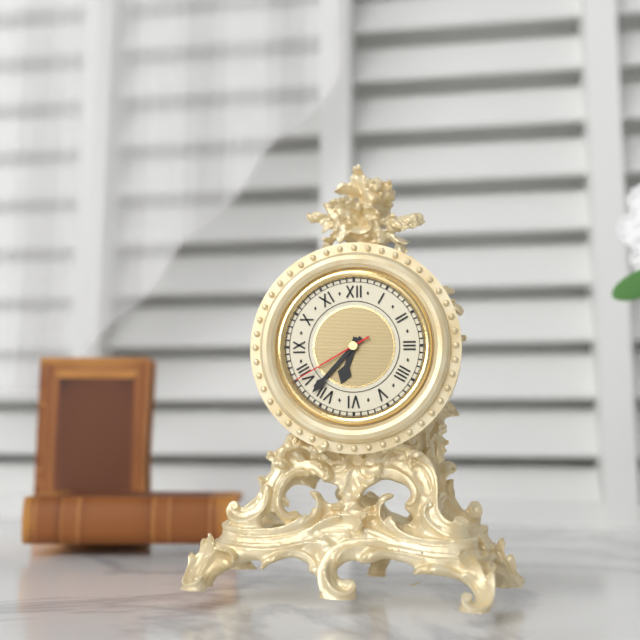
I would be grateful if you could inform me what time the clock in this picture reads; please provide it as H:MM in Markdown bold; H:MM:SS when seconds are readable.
**6:37:40**
